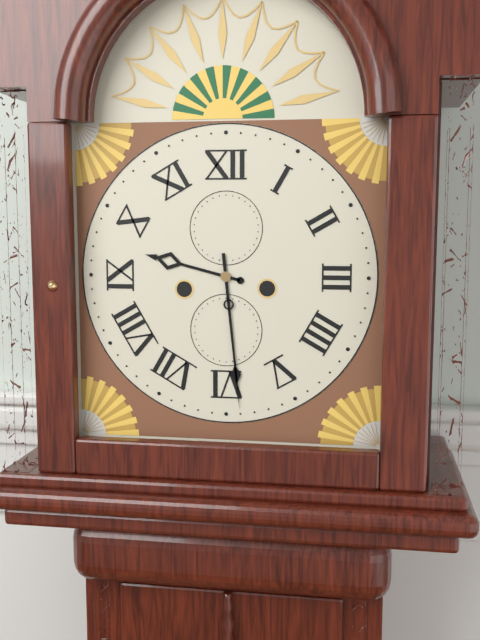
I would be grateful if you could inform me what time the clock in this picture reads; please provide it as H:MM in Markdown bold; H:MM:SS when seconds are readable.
**9:29**
